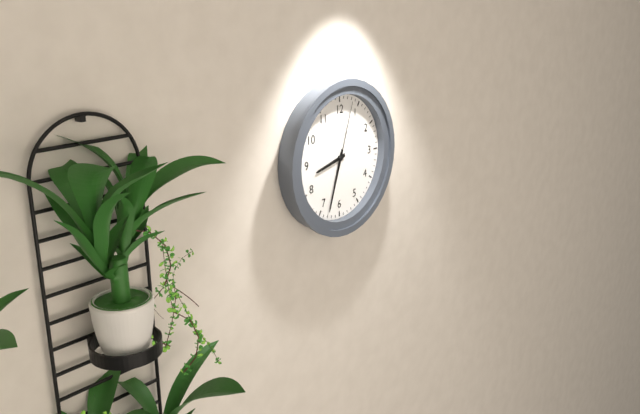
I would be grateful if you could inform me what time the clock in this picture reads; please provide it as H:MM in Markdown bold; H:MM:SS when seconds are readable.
**8:33:03**
